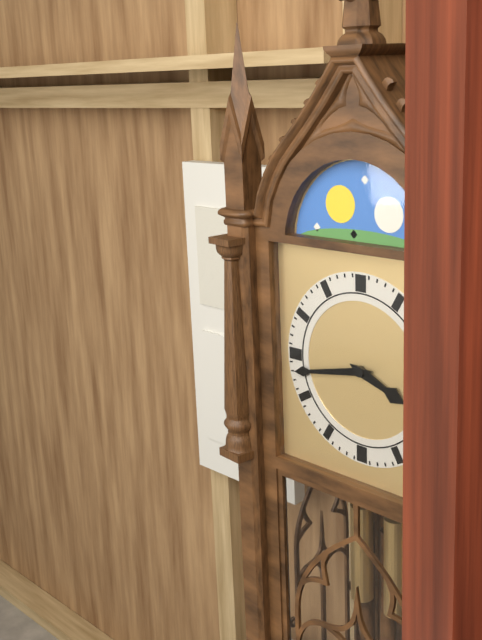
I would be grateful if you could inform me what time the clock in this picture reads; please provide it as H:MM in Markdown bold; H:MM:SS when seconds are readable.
**3:43**
